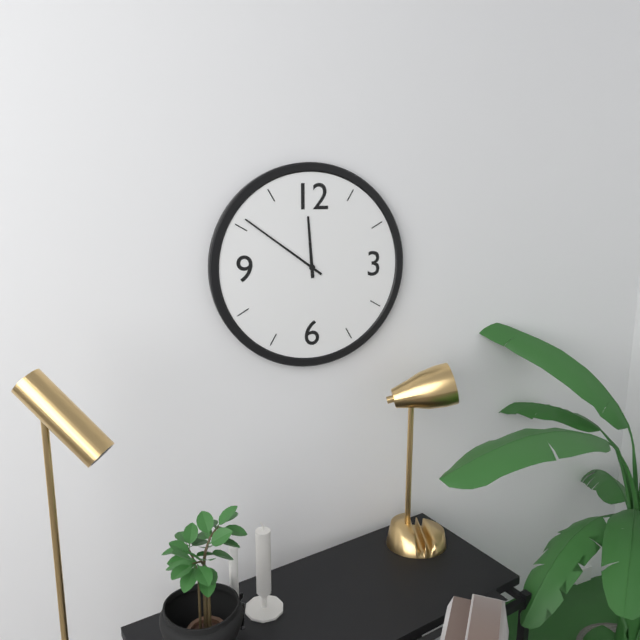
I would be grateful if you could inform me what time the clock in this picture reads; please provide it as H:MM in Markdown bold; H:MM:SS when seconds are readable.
**11:51**
